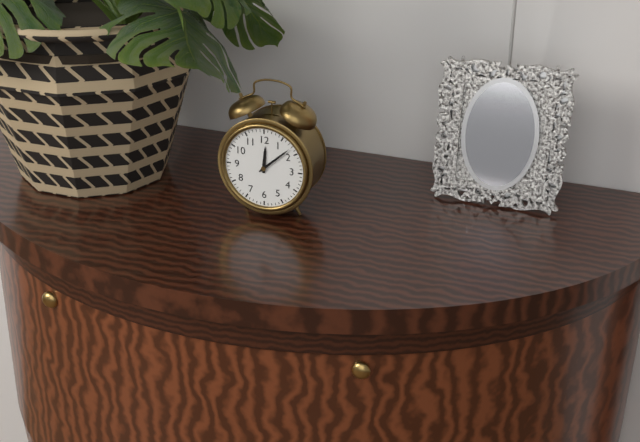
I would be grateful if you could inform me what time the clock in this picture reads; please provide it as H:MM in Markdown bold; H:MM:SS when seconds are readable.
**12:08**
